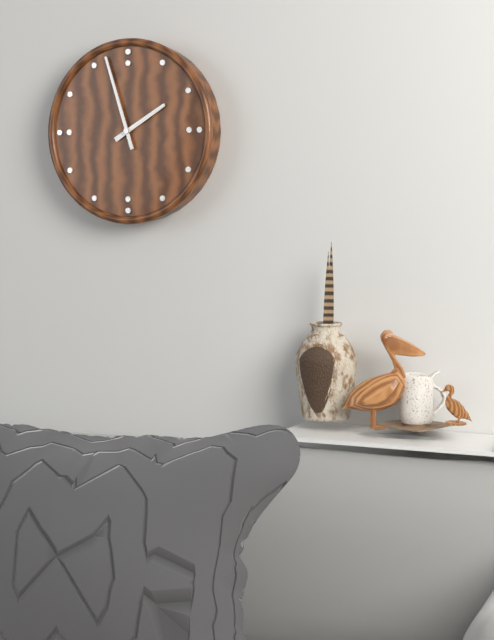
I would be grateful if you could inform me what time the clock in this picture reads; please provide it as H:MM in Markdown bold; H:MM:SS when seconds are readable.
**1:57**
